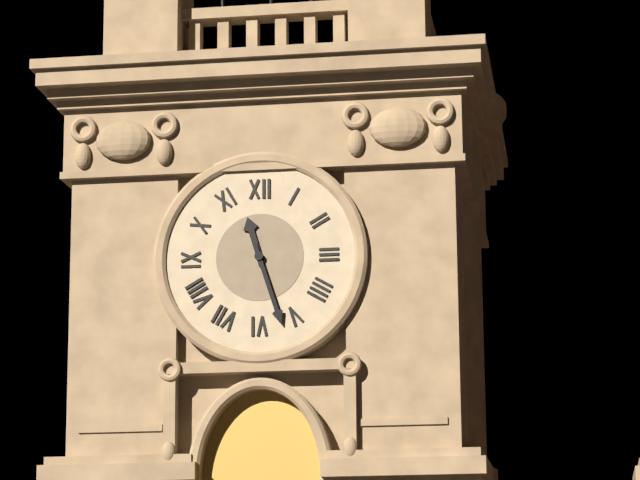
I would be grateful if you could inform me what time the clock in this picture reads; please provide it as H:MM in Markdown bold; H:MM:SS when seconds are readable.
**11:27**
